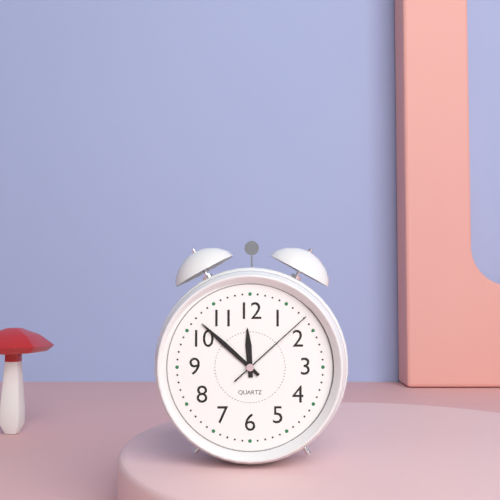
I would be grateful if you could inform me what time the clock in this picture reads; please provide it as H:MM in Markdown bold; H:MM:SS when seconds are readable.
**11:52:08**
